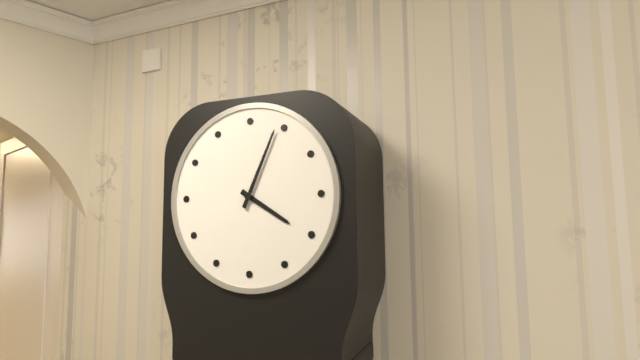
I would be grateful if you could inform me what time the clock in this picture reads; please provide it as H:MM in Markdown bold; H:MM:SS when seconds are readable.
**4:04**
